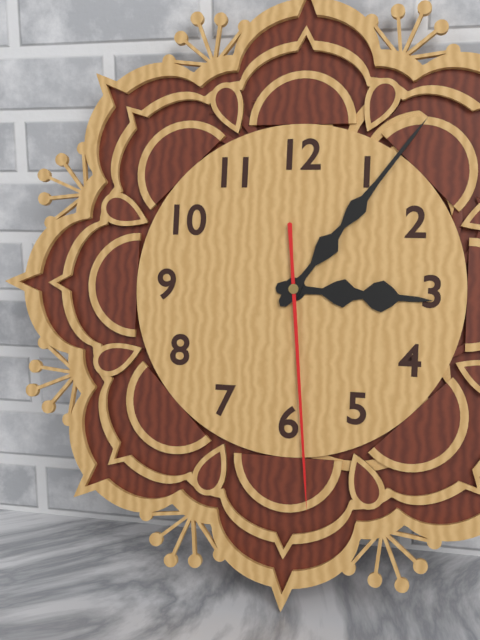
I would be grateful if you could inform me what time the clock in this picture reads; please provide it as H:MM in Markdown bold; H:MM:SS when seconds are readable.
**3:06:29**
